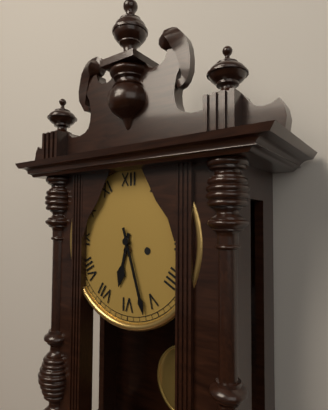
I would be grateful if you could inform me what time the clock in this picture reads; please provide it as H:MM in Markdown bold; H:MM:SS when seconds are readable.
**6:27**
